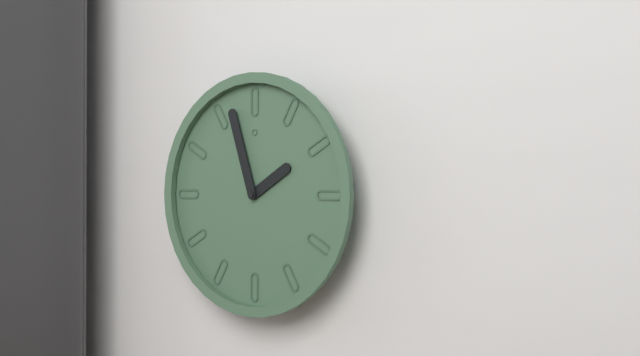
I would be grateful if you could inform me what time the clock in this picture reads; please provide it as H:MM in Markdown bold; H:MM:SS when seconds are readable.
**1:57**
